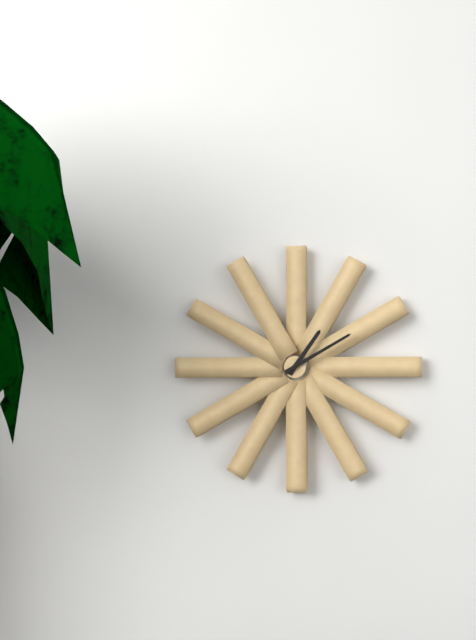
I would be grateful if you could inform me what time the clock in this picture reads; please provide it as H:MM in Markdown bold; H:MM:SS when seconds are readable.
**1:10**
